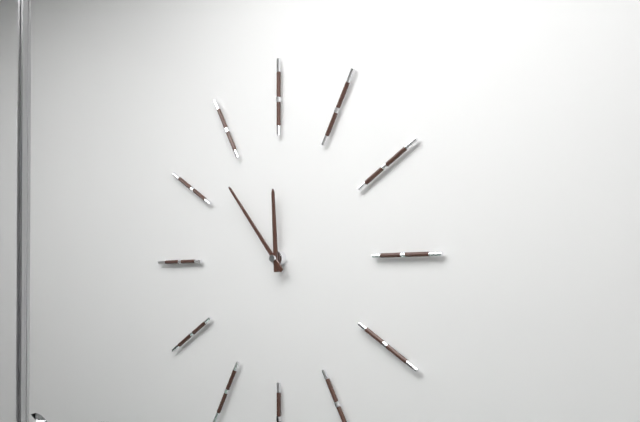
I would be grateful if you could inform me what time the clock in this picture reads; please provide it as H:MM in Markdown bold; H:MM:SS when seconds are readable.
**11:53**
